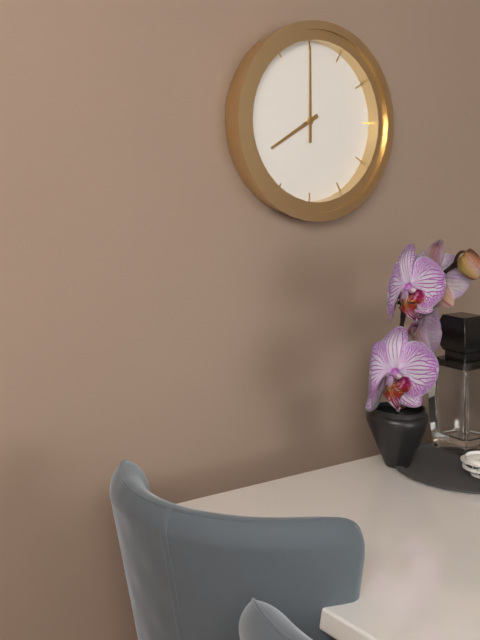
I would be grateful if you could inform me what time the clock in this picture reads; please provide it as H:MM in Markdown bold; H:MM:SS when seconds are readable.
**8:00**
